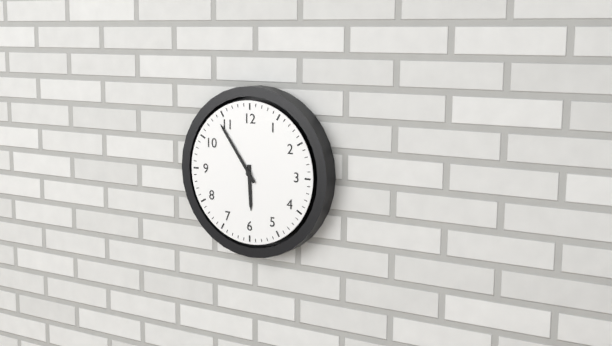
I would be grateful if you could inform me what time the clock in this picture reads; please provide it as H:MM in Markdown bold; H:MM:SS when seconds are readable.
**5:54**
